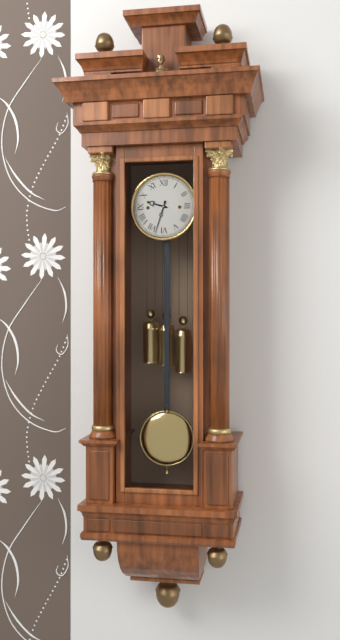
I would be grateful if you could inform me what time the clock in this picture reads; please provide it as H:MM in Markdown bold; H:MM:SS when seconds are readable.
**9:33**
